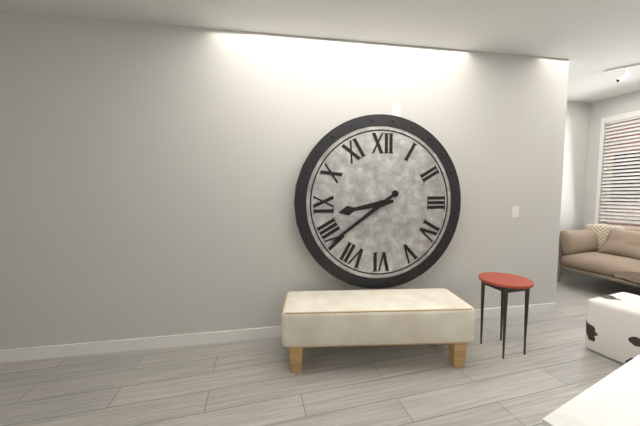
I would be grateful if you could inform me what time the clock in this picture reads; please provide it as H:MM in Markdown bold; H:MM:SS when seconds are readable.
**8:39**
